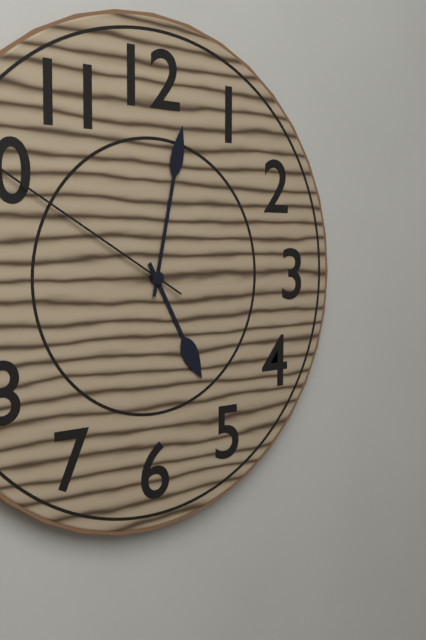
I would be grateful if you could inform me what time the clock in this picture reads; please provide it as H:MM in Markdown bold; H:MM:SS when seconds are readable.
**5:02**
